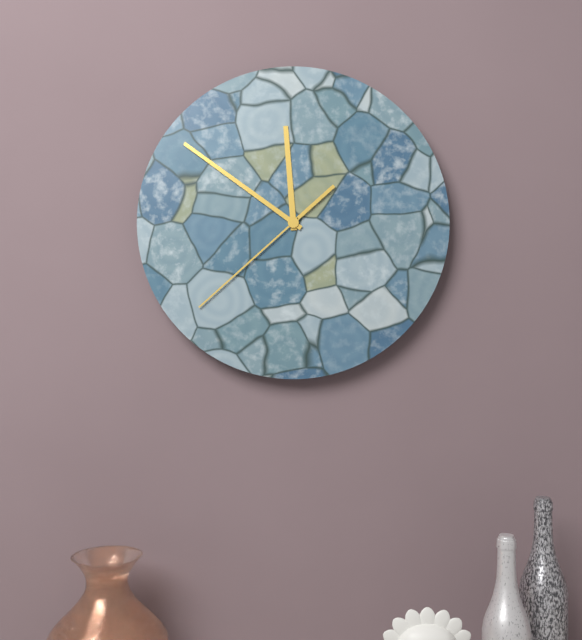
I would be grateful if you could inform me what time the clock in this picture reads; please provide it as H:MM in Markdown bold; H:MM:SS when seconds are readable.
**11:51:38**
